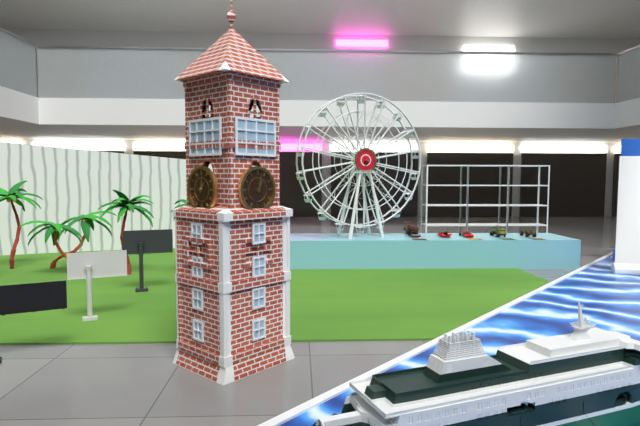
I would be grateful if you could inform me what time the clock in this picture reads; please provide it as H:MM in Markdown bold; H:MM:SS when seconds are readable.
**1:02**
